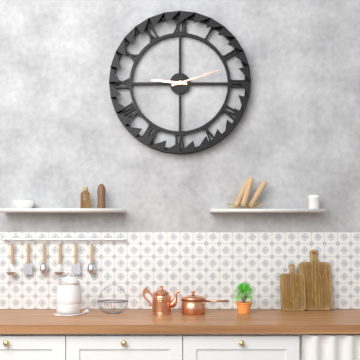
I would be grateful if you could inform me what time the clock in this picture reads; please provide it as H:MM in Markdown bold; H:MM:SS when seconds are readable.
**9:12**
